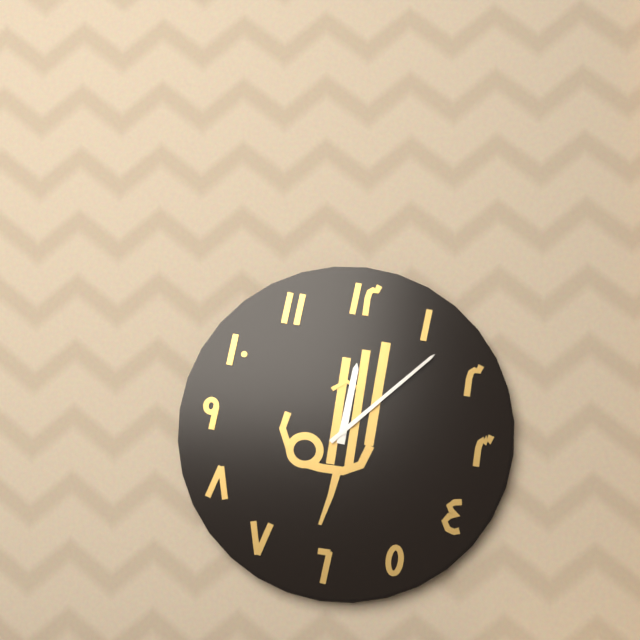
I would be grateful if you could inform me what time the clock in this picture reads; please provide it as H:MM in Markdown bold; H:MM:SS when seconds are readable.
**12:07**
